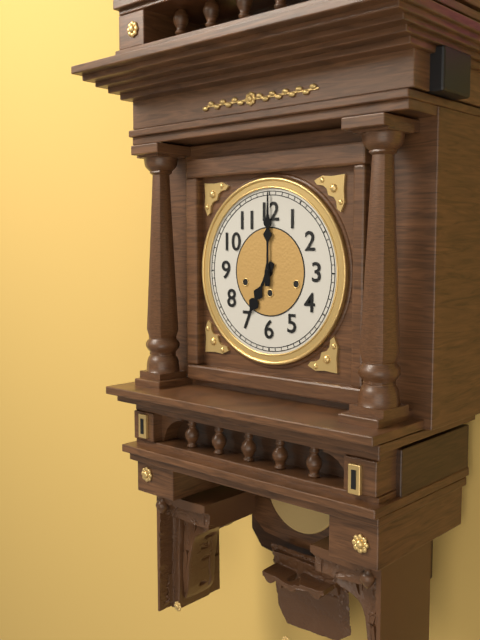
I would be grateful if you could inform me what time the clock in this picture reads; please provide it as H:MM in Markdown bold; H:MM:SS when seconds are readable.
**7:00**
